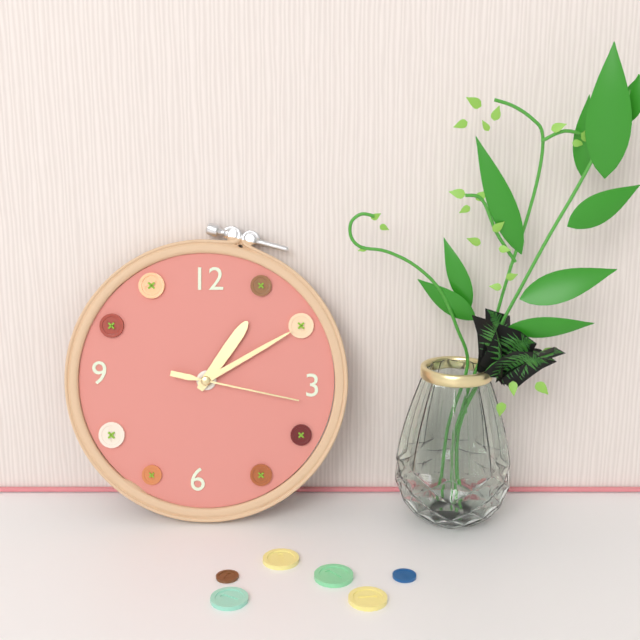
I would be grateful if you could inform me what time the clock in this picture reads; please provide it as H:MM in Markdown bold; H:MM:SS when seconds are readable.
**1:10:17**
